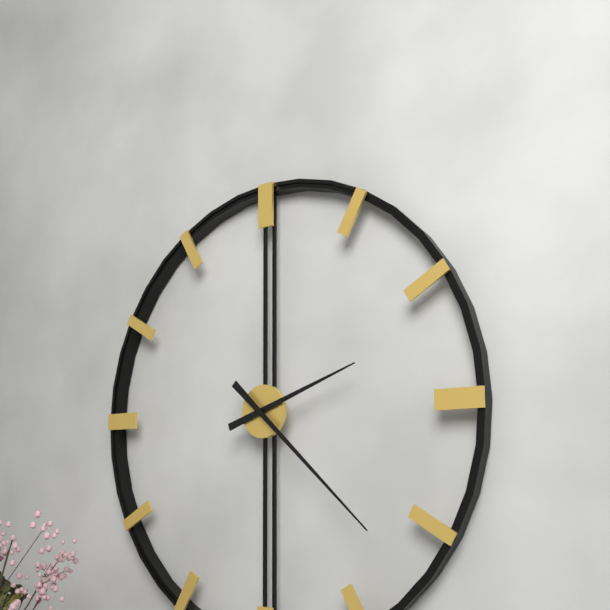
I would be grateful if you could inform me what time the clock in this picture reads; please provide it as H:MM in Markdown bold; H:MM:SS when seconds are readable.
**2:22**
